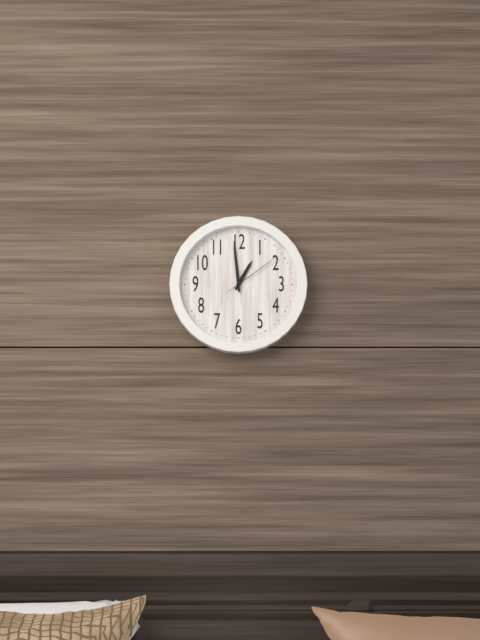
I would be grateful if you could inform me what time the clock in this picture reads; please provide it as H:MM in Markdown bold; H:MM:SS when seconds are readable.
**12:59:09**
